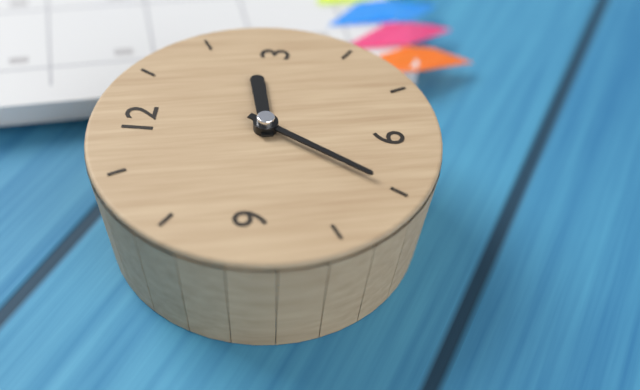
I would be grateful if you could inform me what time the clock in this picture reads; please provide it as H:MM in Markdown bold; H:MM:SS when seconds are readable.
**2:35**
